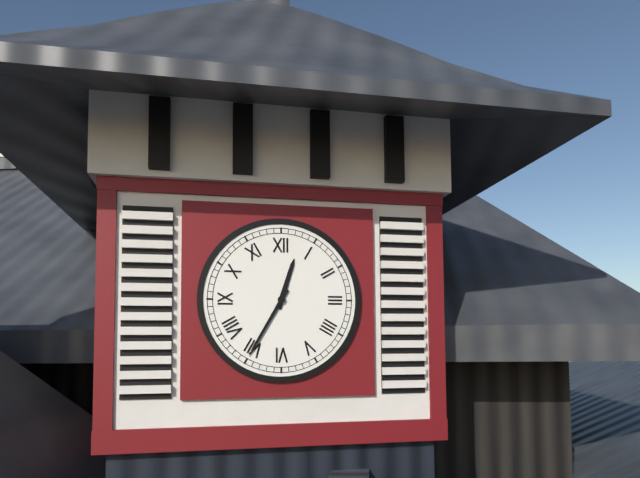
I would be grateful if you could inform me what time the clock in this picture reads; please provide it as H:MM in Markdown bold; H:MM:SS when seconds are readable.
**12:35**
